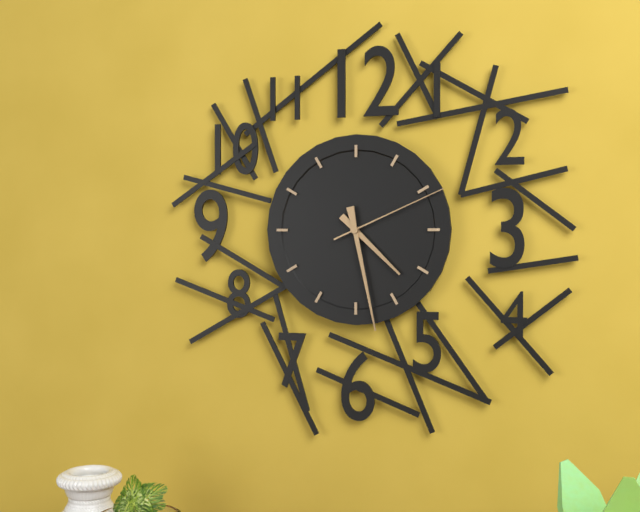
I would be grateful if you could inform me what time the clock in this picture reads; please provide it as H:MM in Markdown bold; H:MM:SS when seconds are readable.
**4:28:11**
